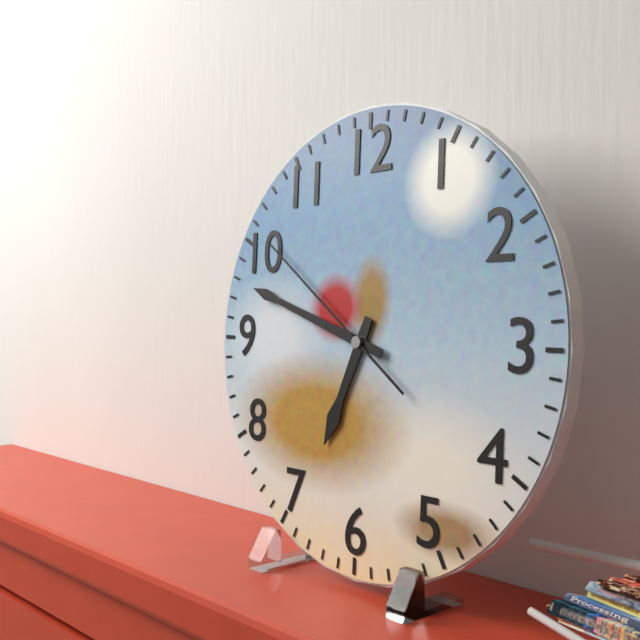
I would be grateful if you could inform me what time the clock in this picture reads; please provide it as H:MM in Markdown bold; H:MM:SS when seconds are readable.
**6:48:51**
